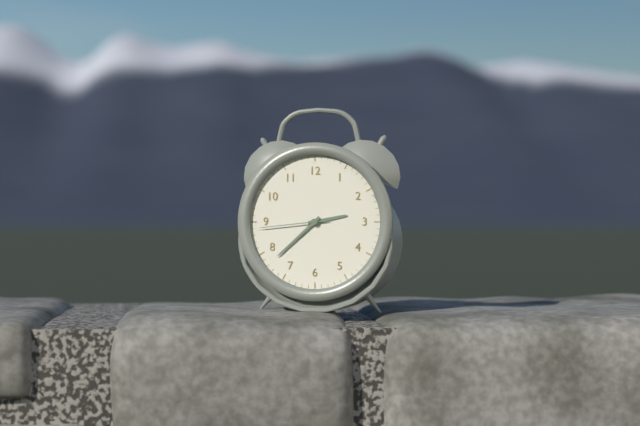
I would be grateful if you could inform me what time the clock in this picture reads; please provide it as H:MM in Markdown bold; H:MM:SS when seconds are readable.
**2:38:44**
